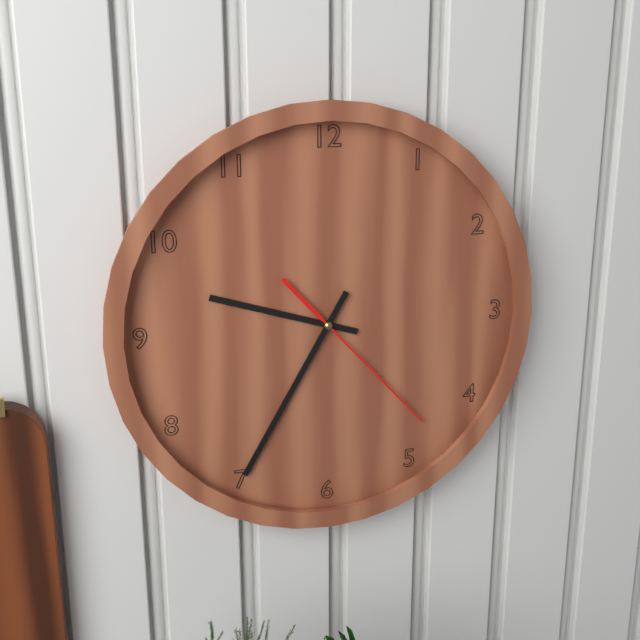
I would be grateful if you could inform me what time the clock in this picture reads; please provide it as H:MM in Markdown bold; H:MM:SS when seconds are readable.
**9:35:23**
